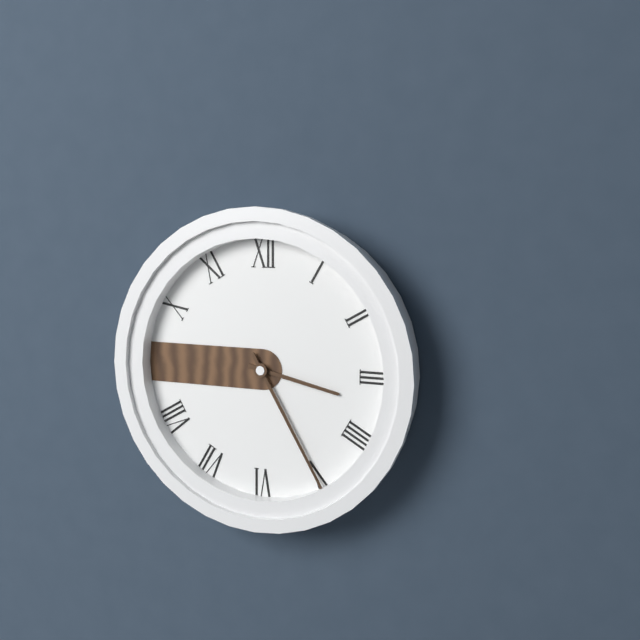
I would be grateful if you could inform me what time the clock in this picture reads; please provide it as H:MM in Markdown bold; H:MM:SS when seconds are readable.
**3:25**
